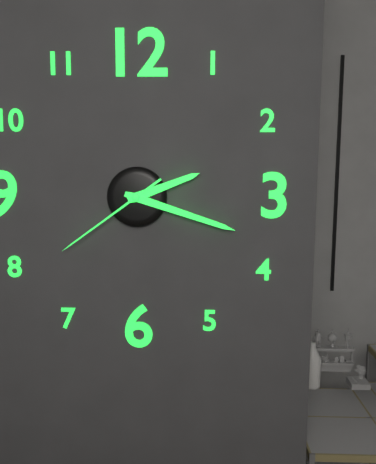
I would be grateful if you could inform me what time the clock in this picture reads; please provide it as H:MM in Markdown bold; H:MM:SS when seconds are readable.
**2:18:39**
